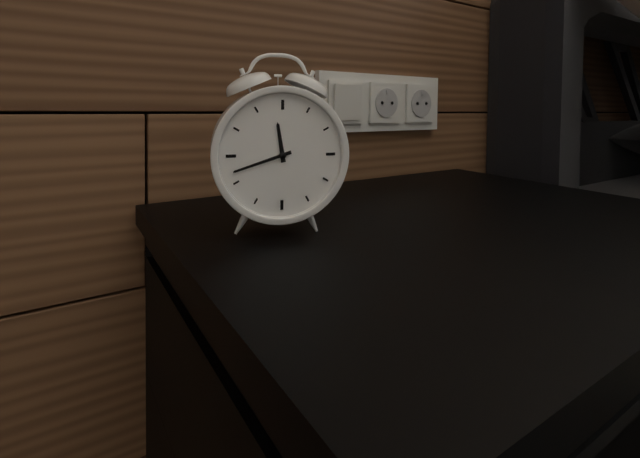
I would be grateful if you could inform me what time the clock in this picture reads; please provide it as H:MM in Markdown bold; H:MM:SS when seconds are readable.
**11:42**
